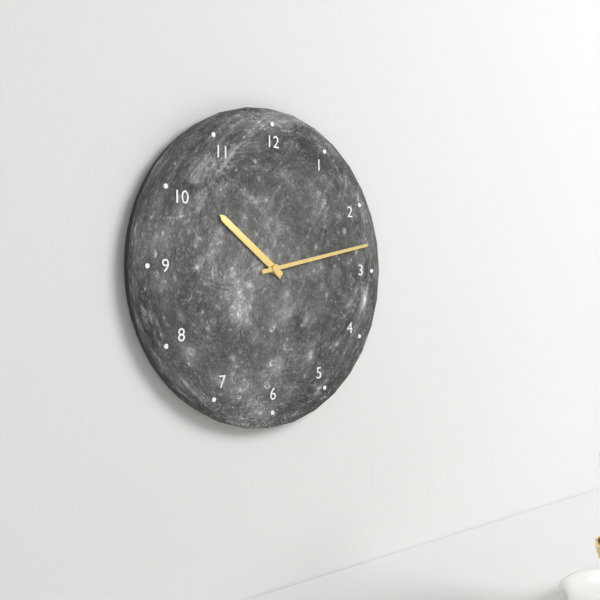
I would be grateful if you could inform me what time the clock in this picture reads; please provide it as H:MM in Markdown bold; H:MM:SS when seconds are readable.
**10:13**
